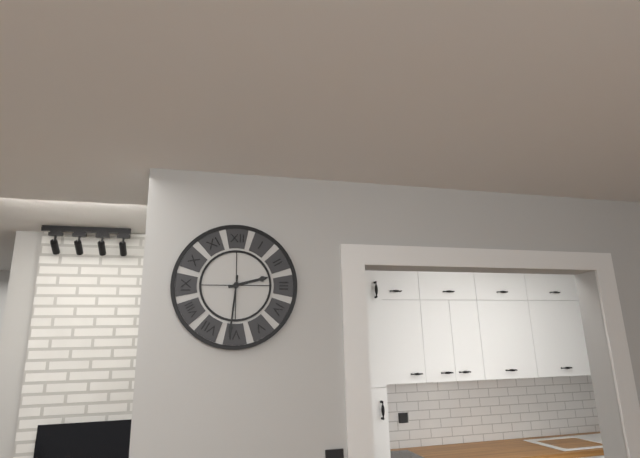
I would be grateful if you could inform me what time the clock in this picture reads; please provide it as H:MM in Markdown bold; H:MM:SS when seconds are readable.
**2:31**
